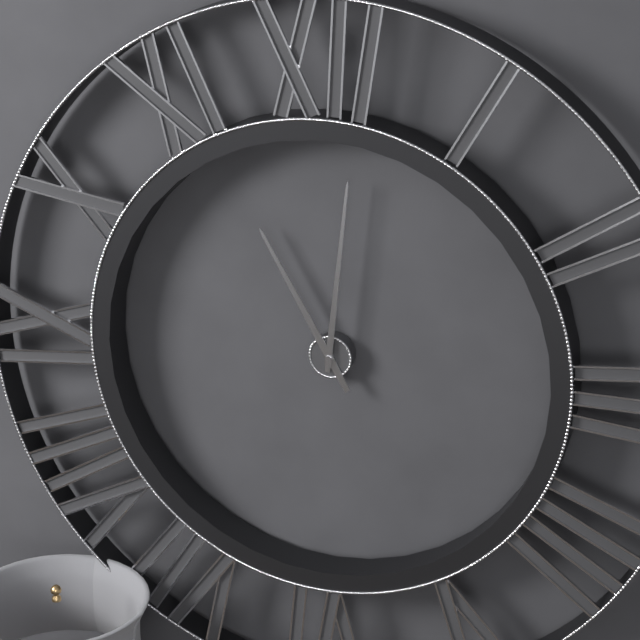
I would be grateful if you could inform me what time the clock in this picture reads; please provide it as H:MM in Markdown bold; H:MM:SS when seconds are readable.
**11:01**
